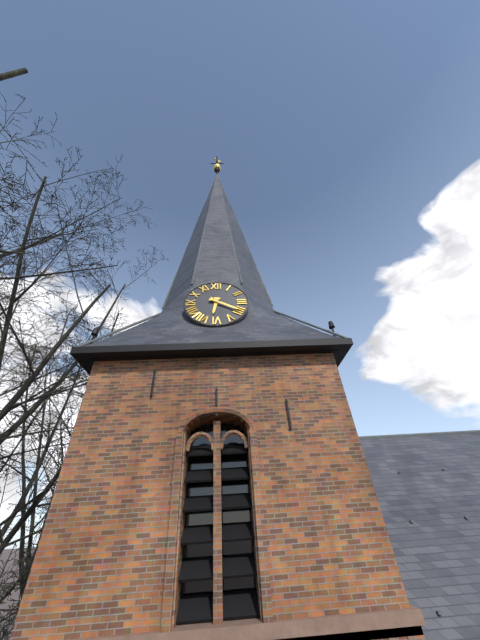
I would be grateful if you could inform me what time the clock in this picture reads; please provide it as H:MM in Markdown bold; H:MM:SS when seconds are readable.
**6:20**
